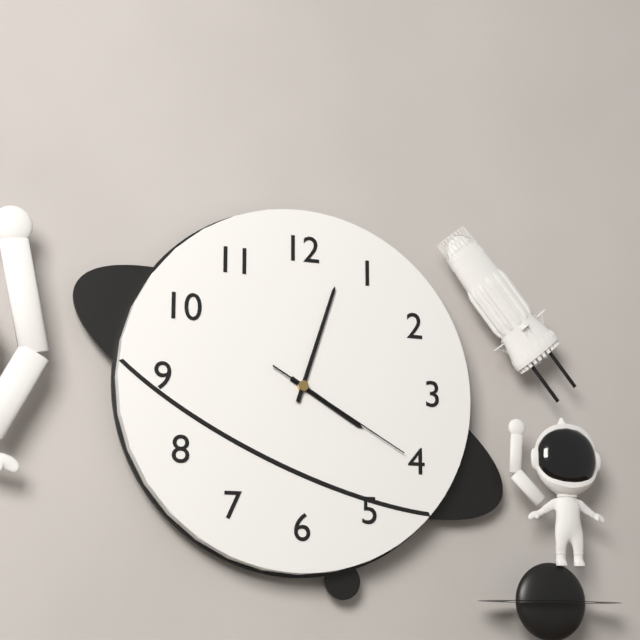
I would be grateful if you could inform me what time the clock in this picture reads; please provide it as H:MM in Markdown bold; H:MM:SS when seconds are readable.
**4:03:20**
